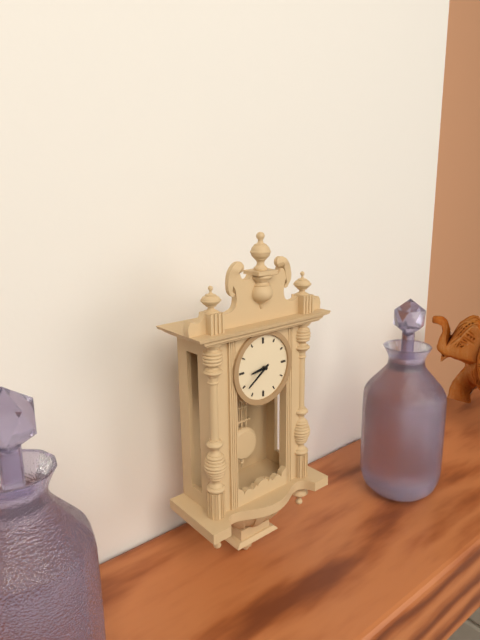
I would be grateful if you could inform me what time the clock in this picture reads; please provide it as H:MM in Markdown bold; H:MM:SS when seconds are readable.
**8:39**
